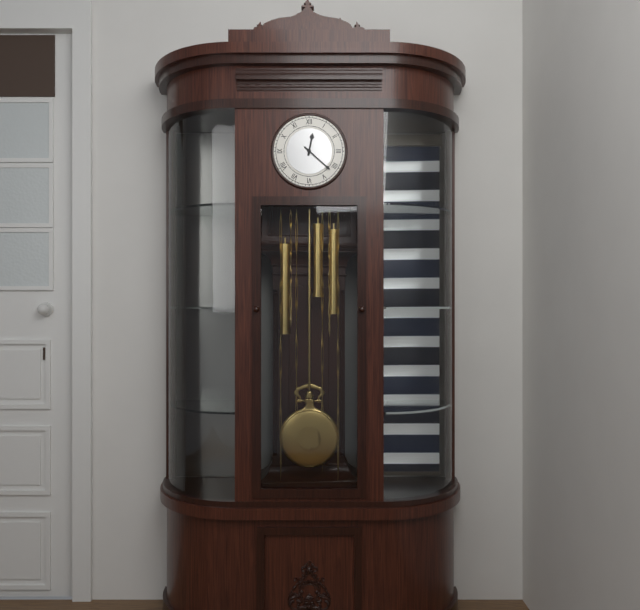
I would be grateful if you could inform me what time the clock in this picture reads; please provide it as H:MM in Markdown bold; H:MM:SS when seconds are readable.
**12:22**
